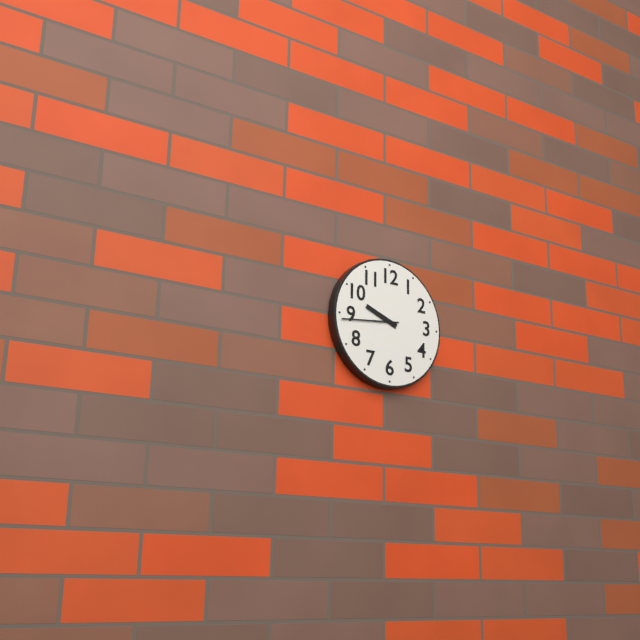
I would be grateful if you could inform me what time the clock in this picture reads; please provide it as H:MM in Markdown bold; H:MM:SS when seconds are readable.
**9:44**
